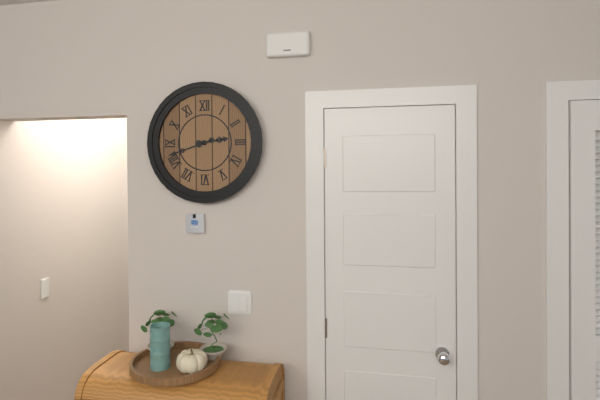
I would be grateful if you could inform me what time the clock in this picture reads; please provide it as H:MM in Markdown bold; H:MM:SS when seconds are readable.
**2:42**
